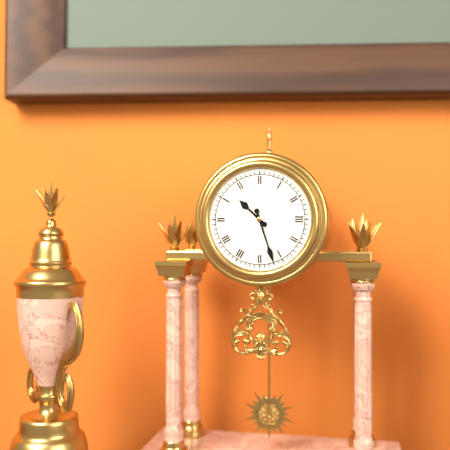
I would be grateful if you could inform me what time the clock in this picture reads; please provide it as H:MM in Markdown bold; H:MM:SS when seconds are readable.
**10:27**
